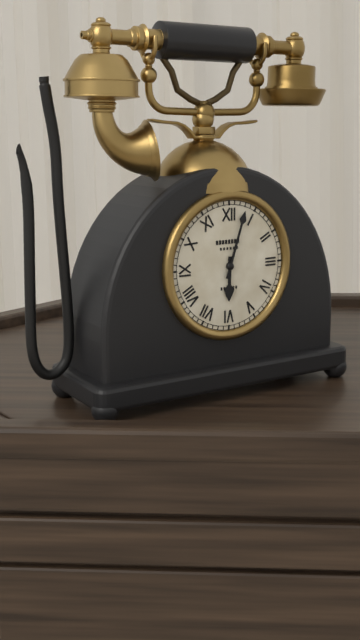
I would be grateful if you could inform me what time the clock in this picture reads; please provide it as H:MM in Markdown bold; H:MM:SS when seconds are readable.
**6:03**
